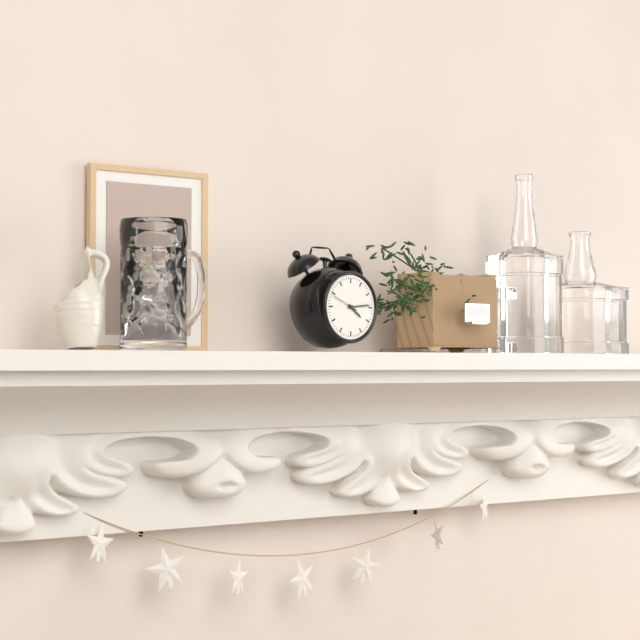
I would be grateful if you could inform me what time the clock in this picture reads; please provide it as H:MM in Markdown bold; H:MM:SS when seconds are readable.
**4:14**
